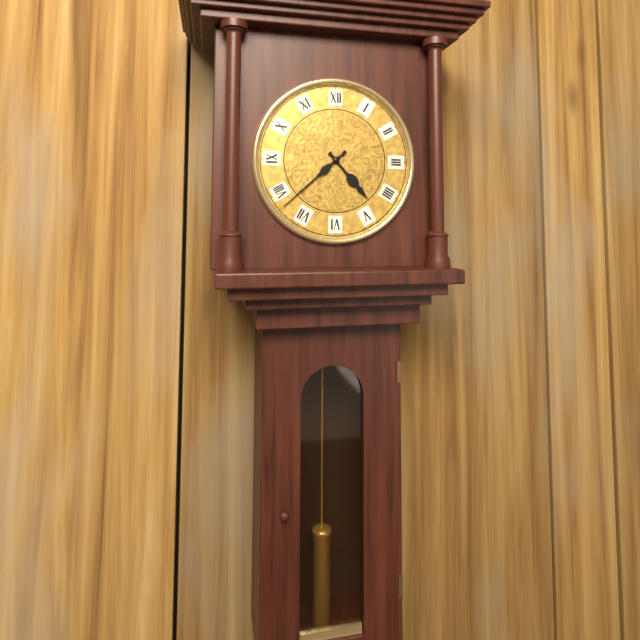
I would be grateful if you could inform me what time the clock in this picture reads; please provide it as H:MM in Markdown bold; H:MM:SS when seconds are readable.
**4:38**
